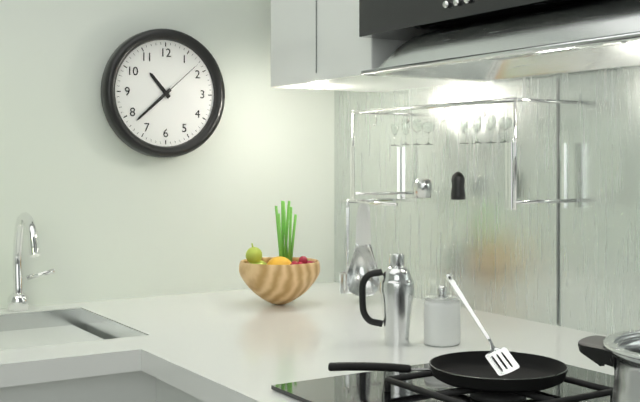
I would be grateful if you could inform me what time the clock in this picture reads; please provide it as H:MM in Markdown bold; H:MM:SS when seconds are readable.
**10:38:08**
